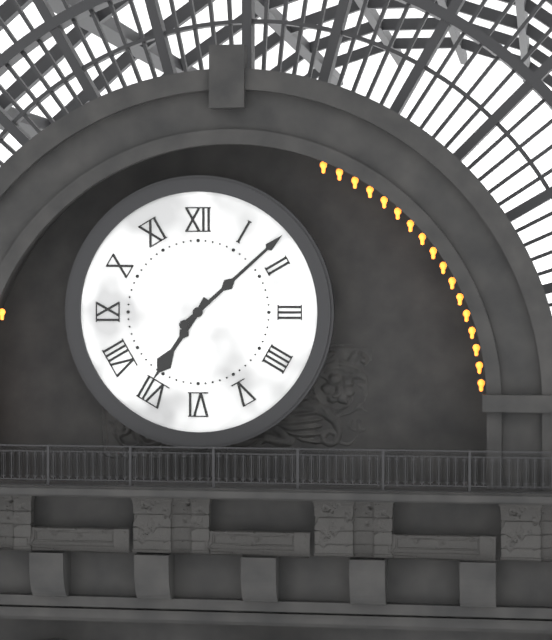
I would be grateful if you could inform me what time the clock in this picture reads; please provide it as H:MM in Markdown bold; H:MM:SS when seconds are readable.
**7:08**
